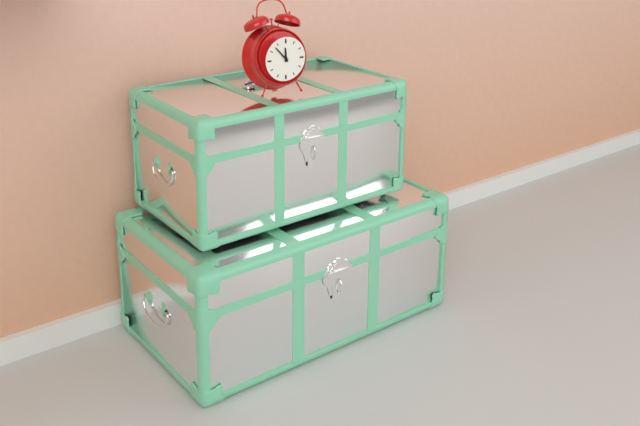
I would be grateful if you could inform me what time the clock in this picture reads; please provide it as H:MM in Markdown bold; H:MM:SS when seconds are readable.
**11:53**
